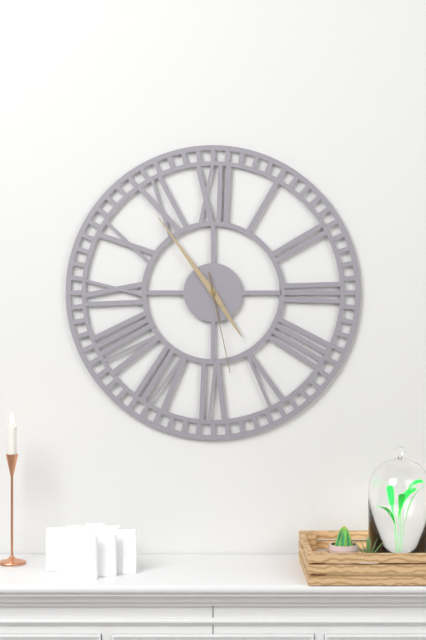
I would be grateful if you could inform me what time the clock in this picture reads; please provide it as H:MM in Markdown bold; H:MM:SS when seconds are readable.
**4:54:28**
